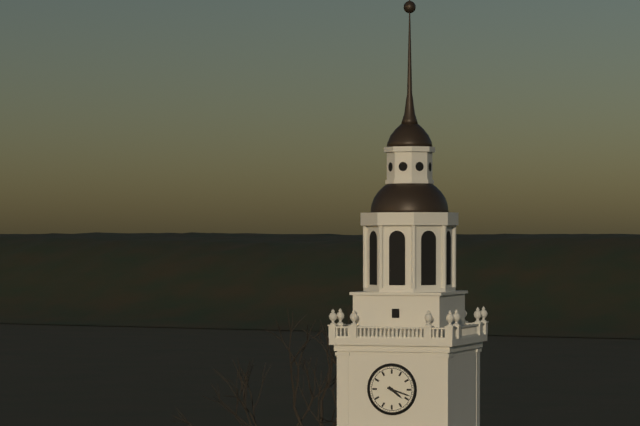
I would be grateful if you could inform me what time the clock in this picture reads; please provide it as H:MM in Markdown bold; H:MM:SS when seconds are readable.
**4:18**
